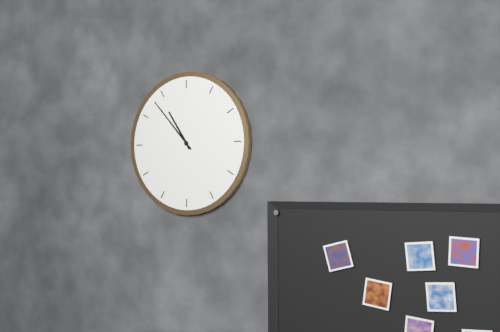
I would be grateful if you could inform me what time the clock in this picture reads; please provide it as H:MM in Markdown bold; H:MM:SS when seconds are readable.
**10:53**
